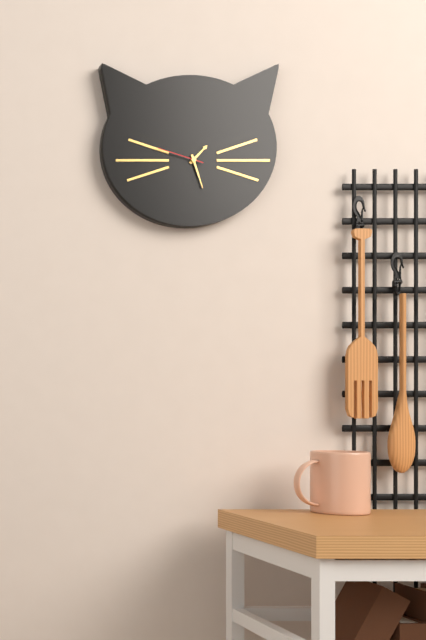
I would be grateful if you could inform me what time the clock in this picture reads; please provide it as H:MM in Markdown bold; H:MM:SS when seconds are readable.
**1:27**
